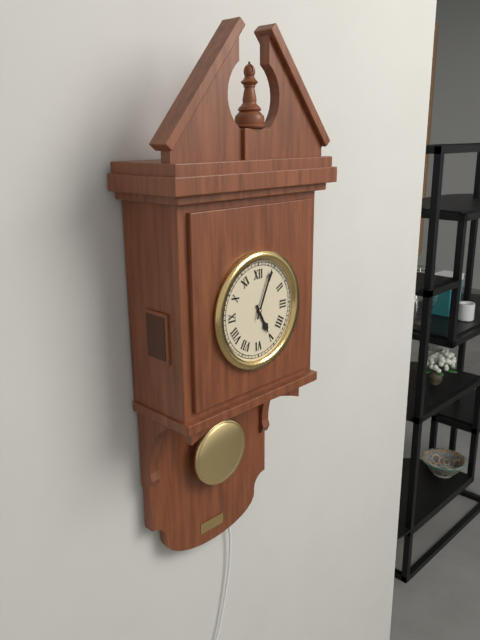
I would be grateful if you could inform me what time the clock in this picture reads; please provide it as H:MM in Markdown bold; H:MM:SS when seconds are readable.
**5:04**
